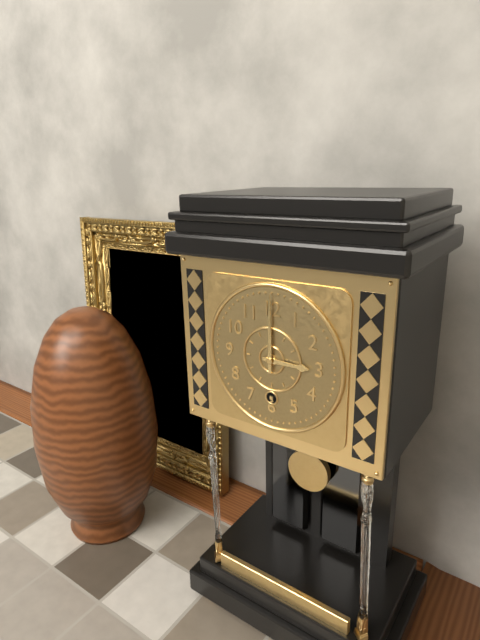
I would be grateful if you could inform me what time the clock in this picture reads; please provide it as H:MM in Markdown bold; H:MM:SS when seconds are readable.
**3:00**
